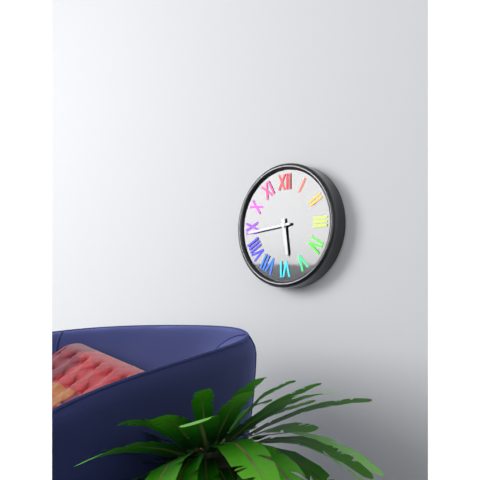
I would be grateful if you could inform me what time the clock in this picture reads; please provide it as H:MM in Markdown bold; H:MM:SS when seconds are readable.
**5:44**
